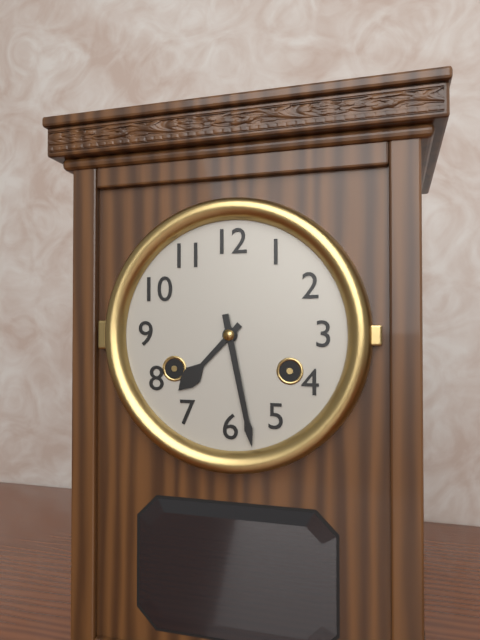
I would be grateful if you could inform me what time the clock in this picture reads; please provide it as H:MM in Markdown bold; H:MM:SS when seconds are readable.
**7:28**
